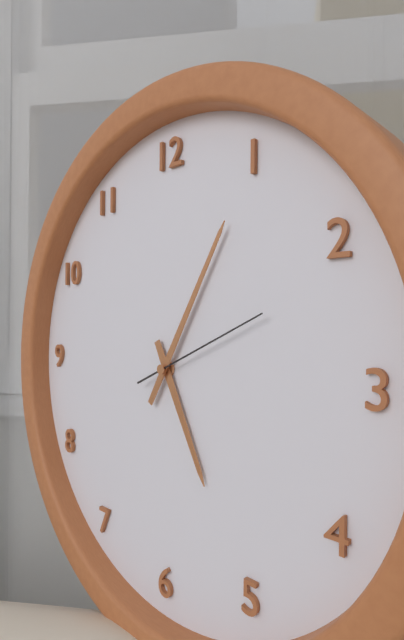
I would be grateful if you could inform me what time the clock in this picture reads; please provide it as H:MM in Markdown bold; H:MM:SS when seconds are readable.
**5:05:11**
